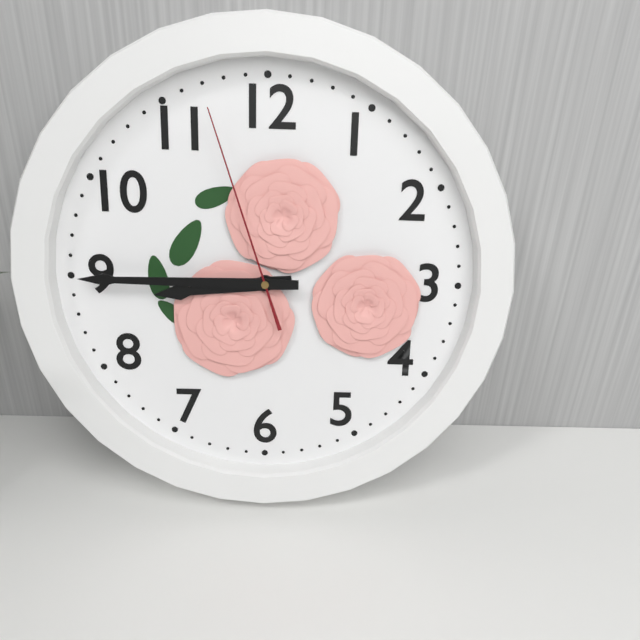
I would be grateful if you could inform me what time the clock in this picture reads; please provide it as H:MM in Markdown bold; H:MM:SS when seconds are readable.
**8:45:57**
